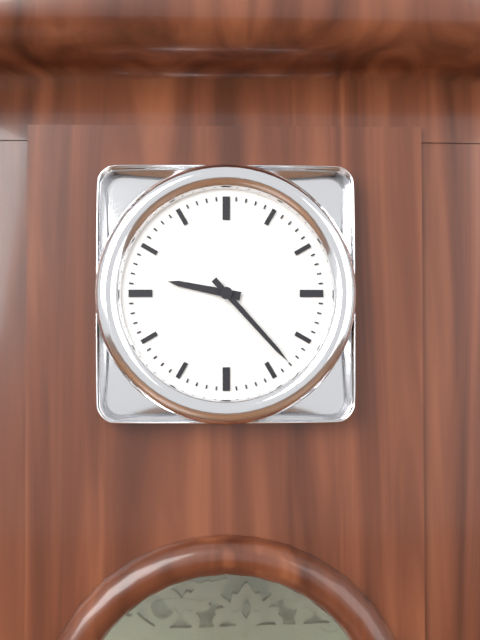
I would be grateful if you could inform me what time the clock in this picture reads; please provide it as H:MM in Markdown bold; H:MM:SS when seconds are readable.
**9:23**
